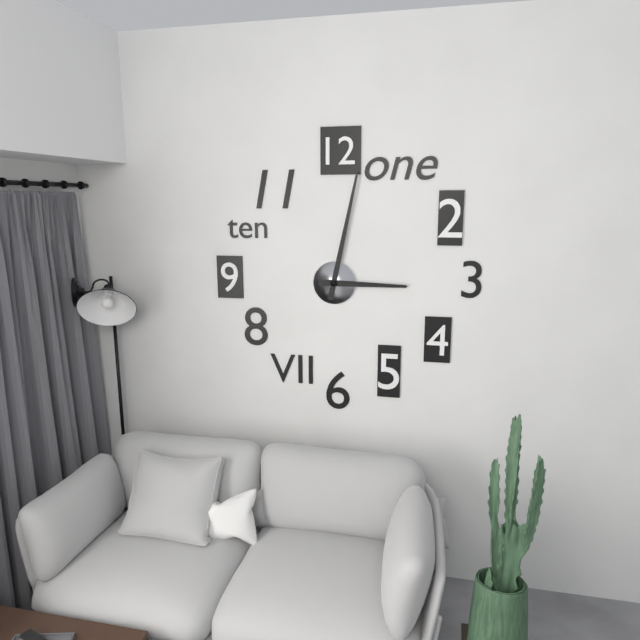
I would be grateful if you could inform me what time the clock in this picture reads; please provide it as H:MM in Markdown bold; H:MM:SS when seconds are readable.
**3:02**
